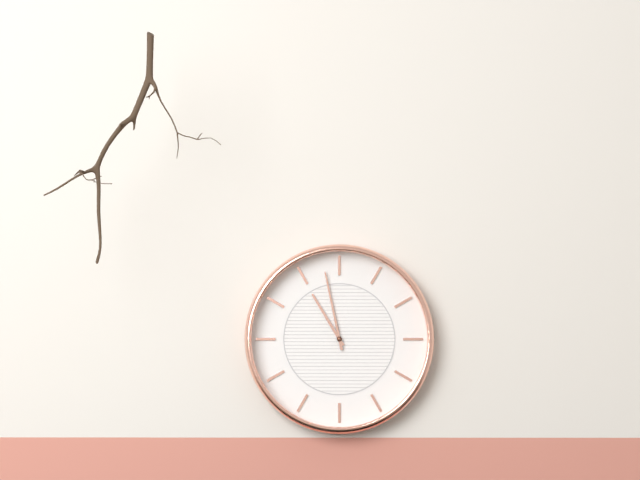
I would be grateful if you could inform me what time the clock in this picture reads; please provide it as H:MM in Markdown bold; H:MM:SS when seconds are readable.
**10:58**
